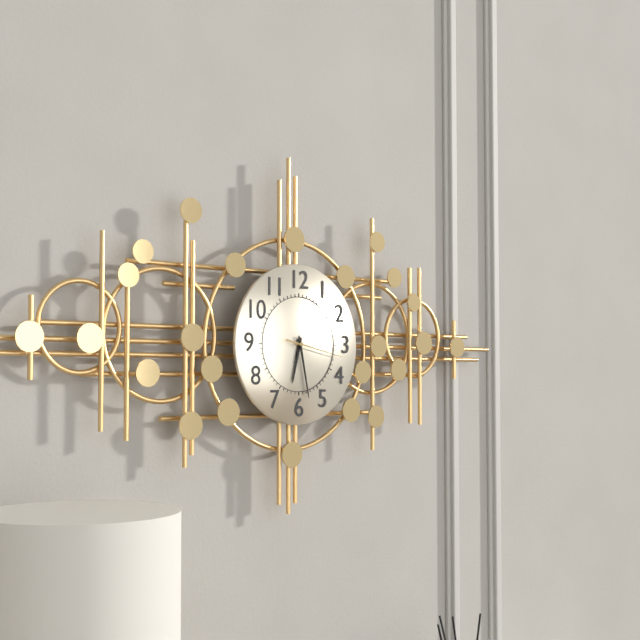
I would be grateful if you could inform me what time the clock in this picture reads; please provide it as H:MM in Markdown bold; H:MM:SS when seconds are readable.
**6:28:17**
